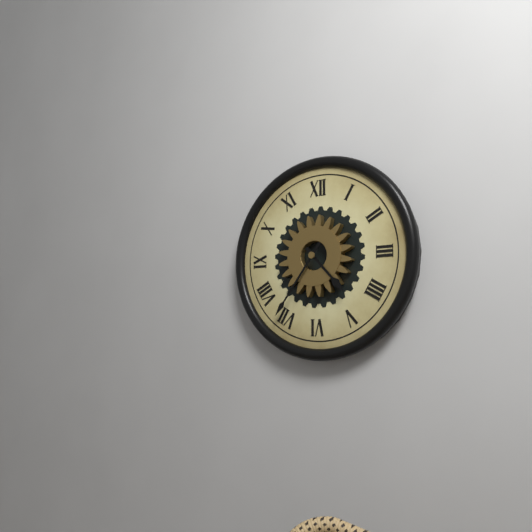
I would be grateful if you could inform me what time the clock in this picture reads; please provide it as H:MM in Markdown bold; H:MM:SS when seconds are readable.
**4:36**
